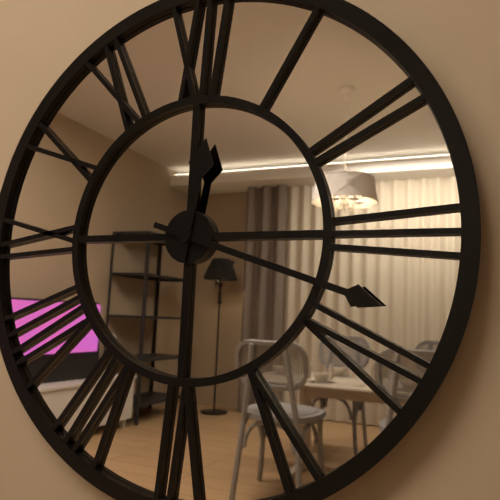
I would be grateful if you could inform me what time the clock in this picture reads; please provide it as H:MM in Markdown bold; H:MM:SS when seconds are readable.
**12:18**
